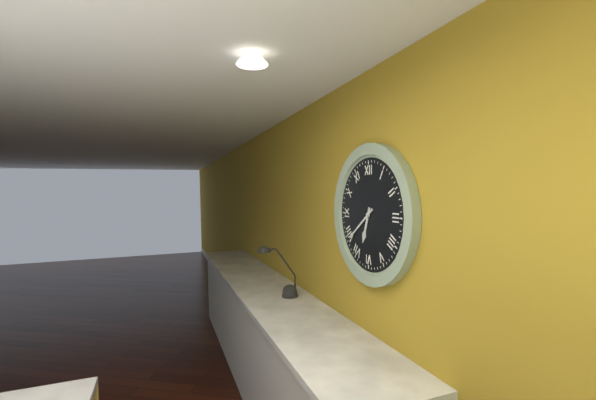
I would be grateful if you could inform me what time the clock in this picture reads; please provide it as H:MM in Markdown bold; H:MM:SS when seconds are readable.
**6:39**
